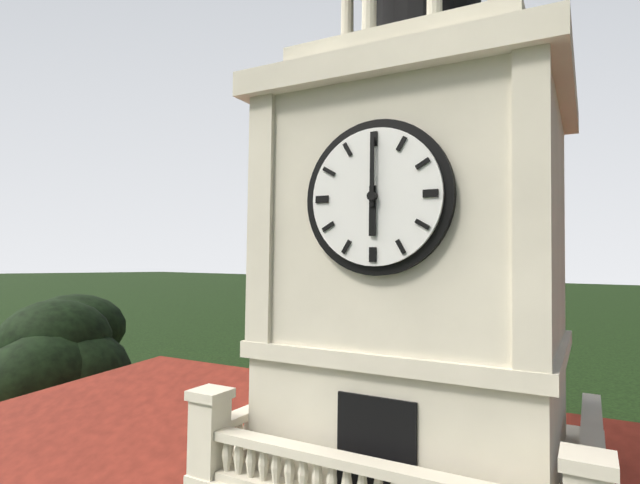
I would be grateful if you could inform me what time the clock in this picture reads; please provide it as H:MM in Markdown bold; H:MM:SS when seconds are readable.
**6:00**
